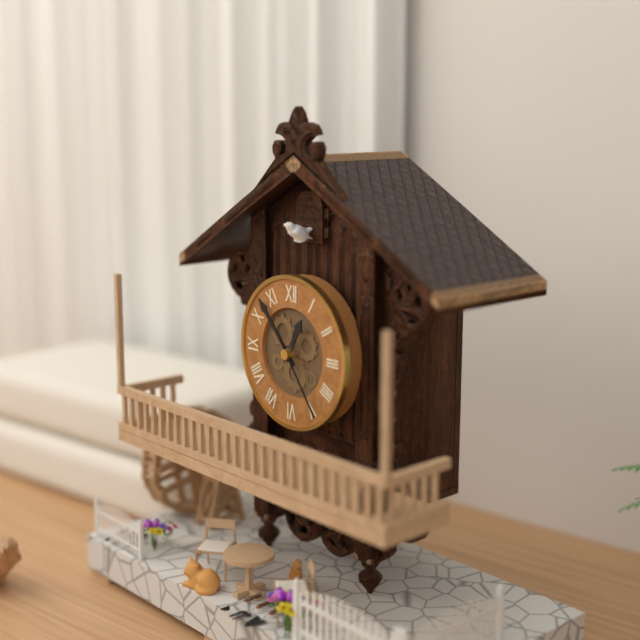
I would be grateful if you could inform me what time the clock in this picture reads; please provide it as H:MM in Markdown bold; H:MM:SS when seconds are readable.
**12:53:24**
